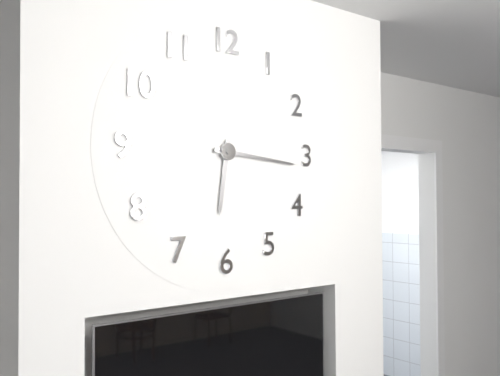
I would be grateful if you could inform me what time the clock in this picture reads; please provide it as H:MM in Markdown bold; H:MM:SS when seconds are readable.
**6:16**
